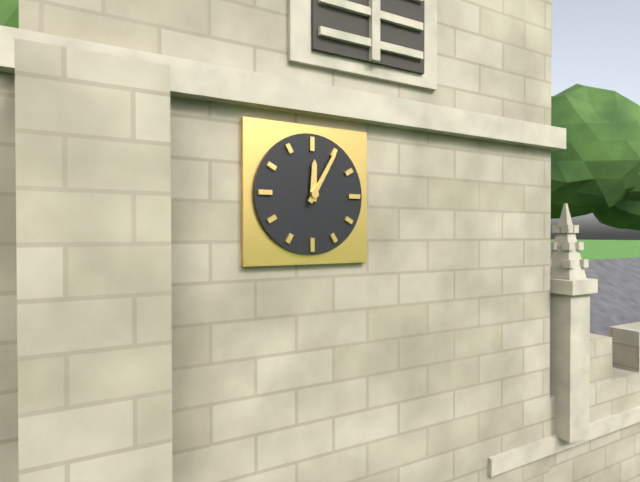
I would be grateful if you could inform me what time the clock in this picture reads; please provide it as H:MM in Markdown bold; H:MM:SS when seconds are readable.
**12:05**
